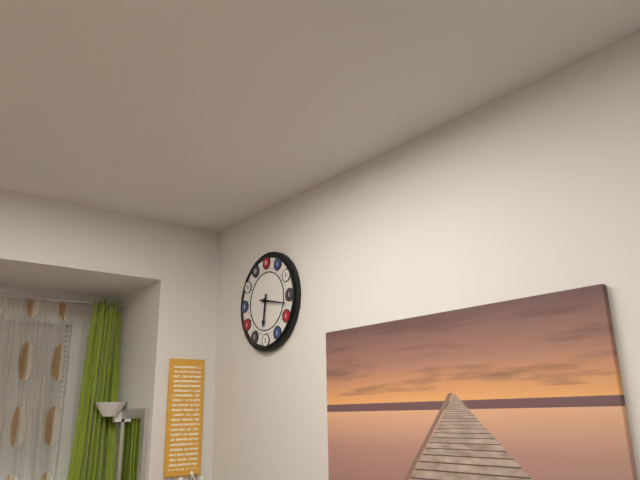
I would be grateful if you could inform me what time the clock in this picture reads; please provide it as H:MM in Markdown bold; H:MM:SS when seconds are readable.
**6:17**
